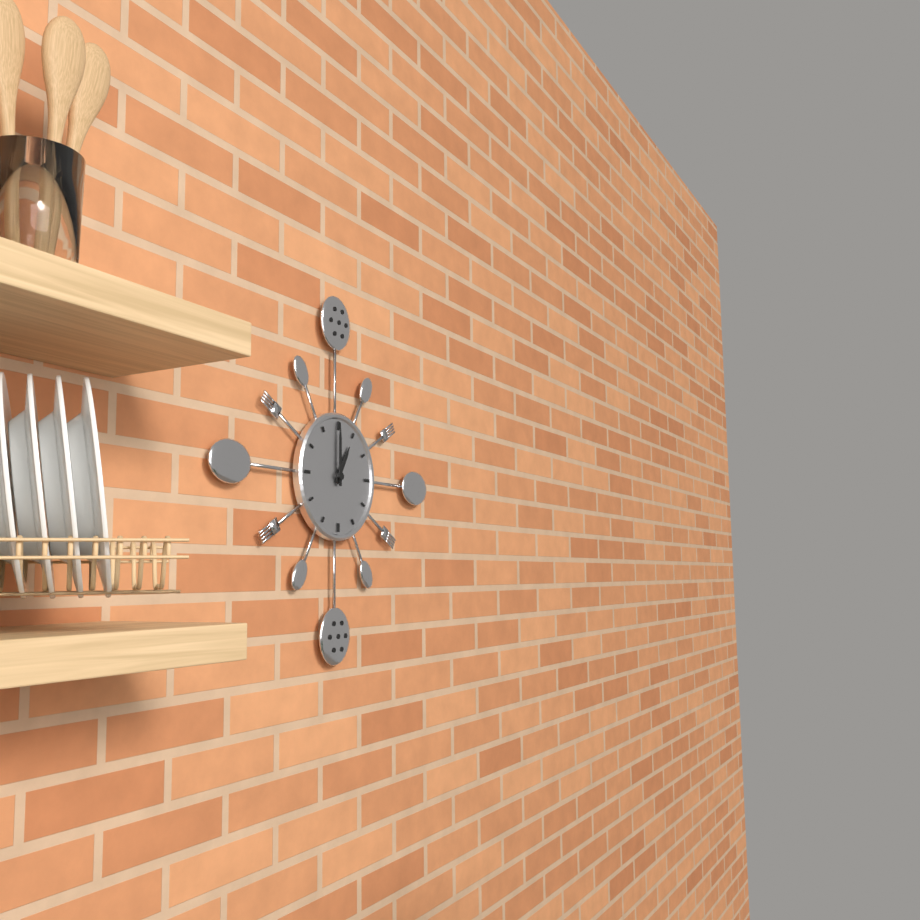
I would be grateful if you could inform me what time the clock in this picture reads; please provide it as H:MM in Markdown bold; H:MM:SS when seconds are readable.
**1:00**
